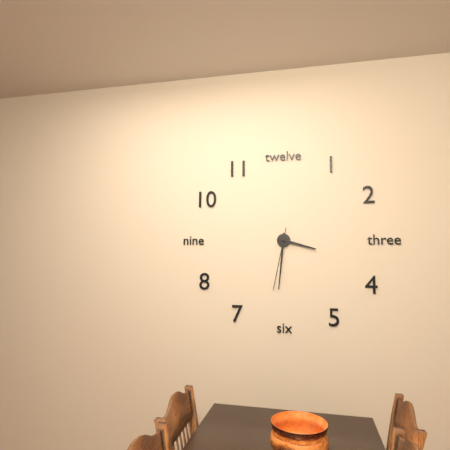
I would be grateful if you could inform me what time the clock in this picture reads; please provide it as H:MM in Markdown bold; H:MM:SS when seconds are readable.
**3:31:32**
